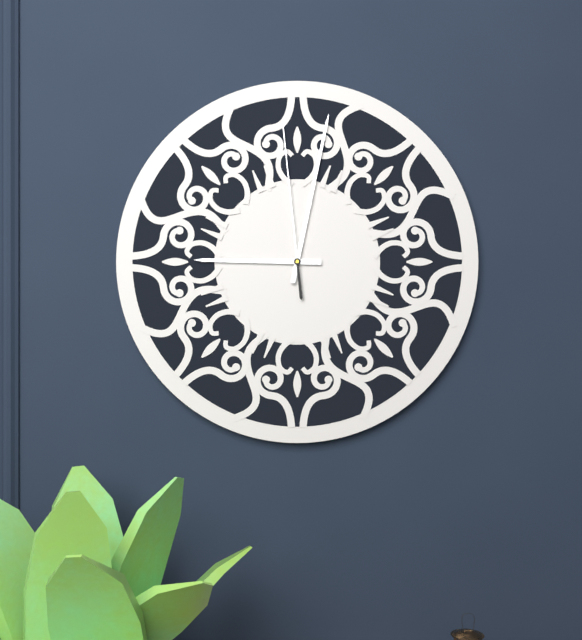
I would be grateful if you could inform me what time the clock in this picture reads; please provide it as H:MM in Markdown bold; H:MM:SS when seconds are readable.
**9:02:59**
